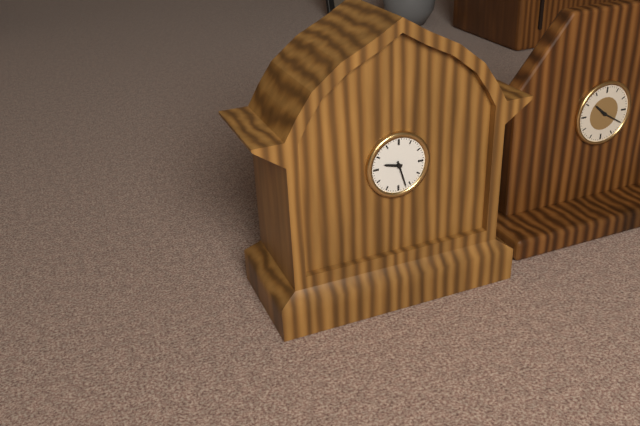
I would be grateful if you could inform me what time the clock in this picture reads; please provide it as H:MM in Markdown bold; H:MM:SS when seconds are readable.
**9:27**
